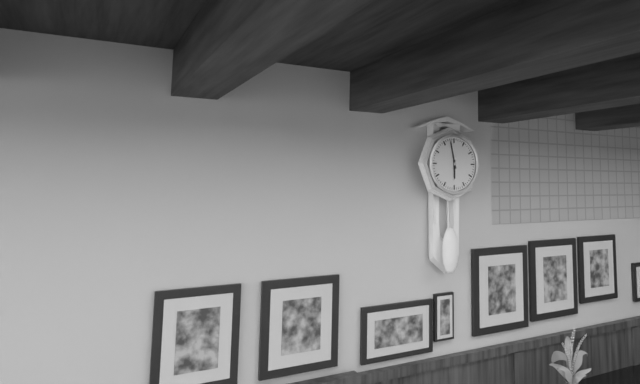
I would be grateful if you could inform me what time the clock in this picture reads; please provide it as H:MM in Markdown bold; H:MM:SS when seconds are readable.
**5:58**
